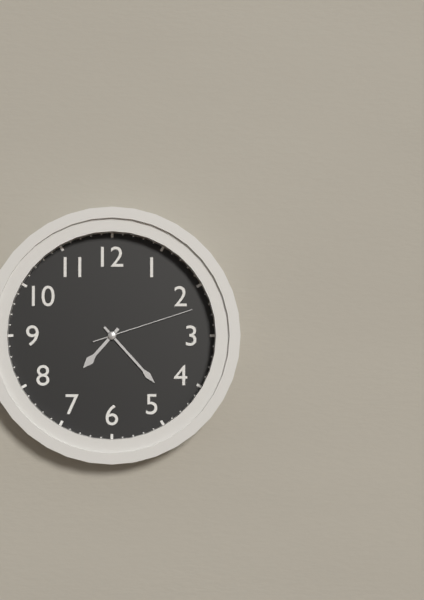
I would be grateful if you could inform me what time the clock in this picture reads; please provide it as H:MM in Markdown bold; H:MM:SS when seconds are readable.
**7:23:12**
